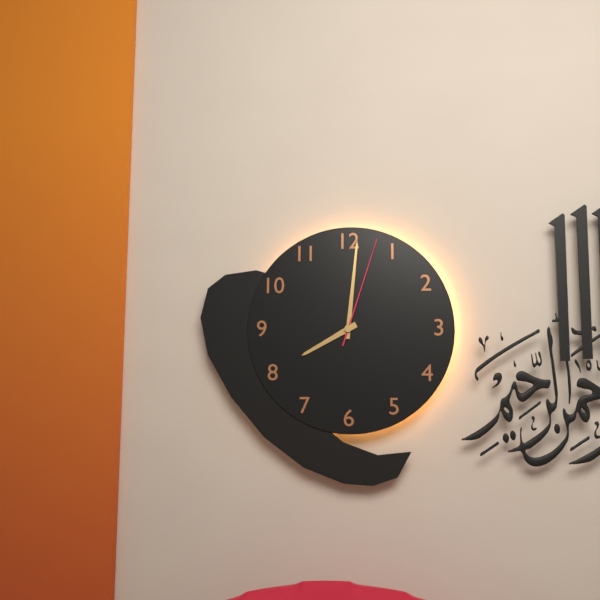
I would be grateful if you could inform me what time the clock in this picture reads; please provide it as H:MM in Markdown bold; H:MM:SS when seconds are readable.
**8:01:03**
